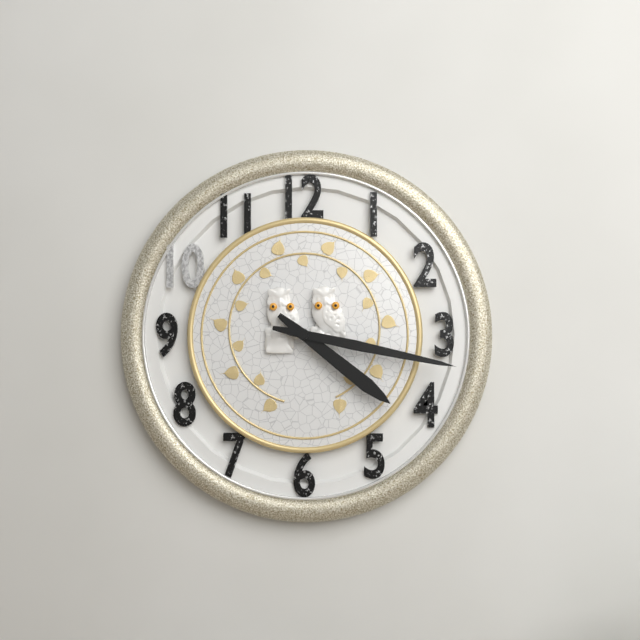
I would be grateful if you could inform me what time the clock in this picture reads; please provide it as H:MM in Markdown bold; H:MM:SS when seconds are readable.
**4:17**
